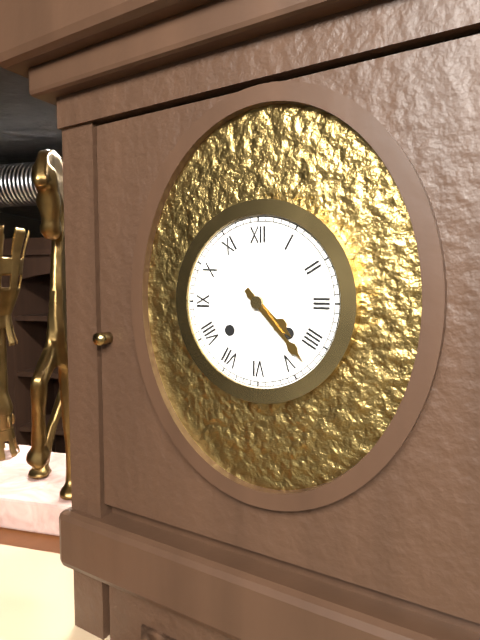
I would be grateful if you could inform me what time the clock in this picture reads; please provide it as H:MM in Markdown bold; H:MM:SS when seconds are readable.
**4:23**
